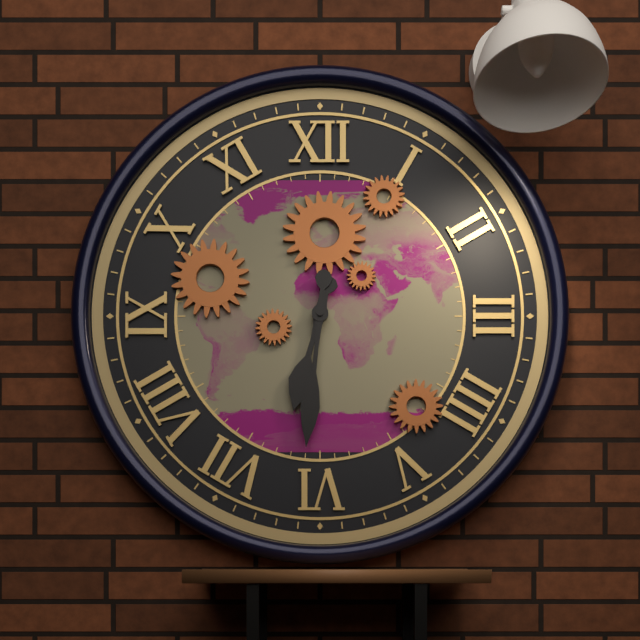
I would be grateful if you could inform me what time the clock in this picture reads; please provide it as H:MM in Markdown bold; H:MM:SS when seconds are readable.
**6:31**
